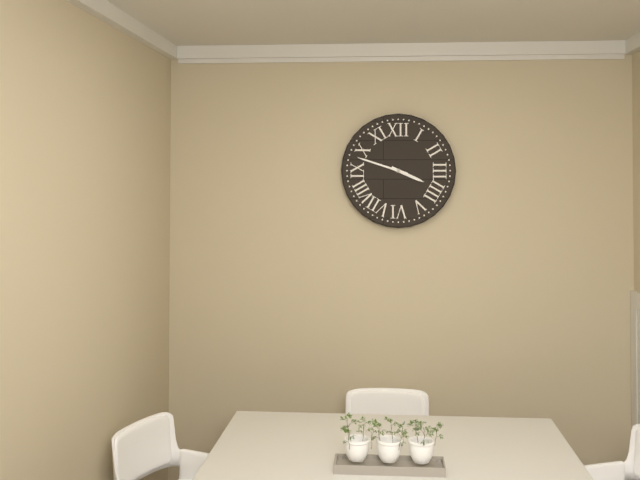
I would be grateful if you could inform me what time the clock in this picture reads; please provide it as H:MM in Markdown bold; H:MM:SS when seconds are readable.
**3:48**
